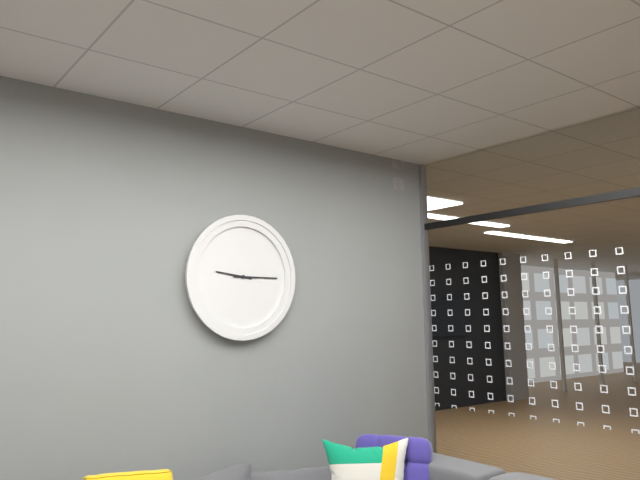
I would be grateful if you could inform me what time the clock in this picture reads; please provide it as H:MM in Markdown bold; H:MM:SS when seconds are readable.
**9:15**
